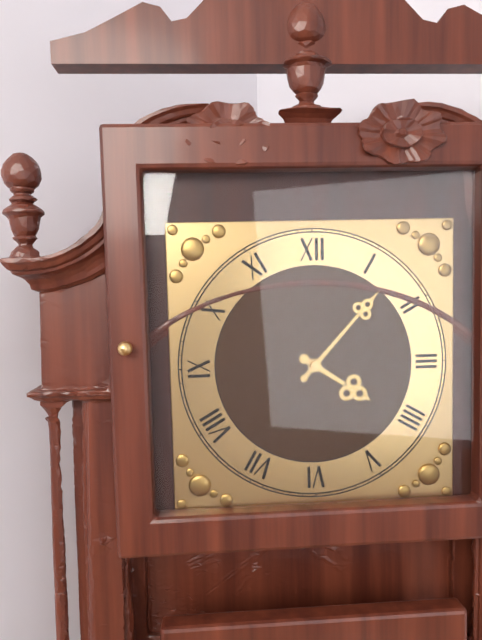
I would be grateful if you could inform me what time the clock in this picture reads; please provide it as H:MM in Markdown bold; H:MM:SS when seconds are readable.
**4:07**
